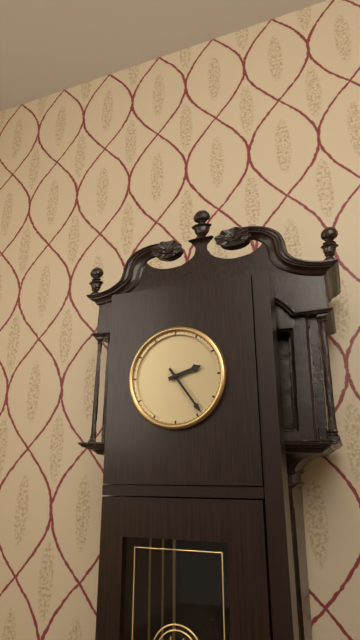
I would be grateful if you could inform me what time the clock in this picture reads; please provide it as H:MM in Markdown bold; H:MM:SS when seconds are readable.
**2:24**
